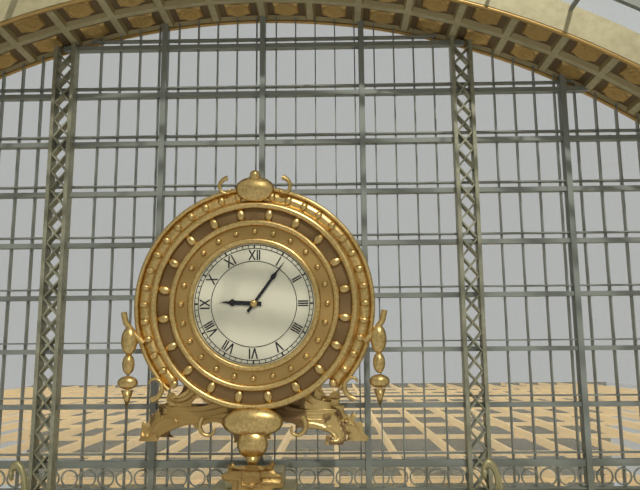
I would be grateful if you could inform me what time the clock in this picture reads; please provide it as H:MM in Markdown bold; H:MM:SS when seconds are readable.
**9:06**
